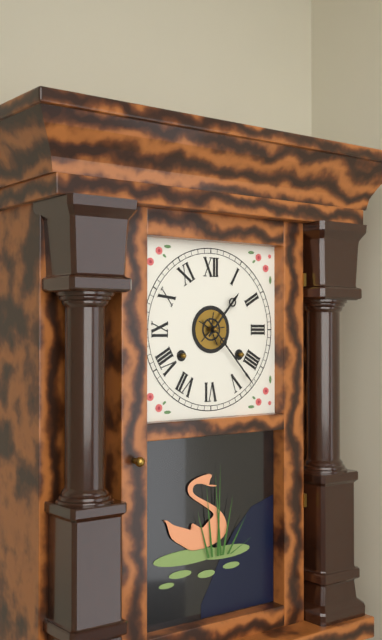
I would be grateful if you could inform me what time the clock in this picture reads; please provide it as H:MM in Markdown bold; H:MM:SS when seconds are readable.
**1:23**
